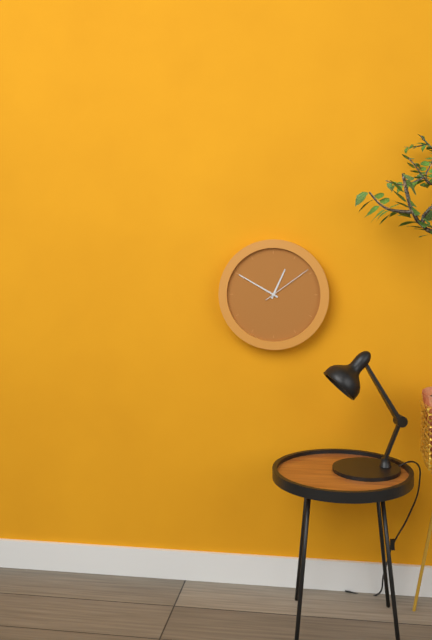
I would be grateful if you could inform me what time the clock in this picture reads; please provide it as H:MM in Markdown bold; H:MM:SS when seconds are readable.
**12:50:09**
